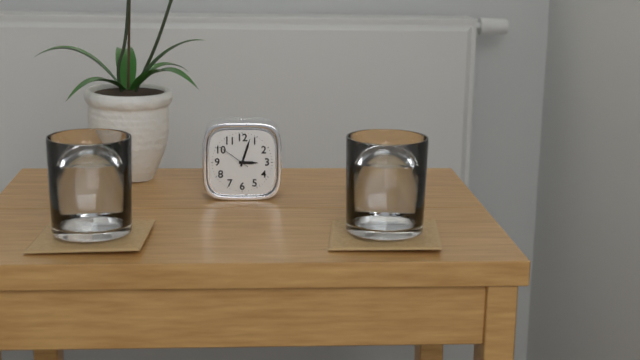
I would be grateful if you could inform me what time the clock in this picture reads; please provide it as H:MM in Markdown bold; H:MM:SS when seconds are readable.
**3:03**
